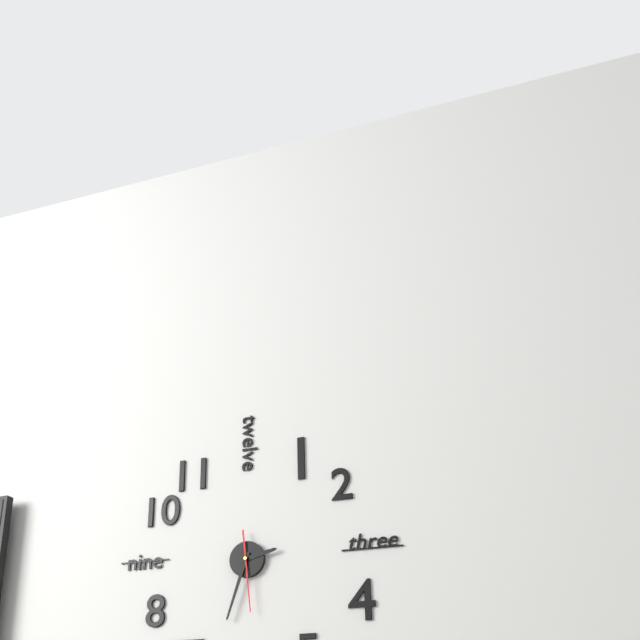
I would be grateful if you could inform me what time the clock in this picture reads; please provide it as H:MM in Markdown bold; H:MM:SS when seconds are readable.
**2:33:29**
